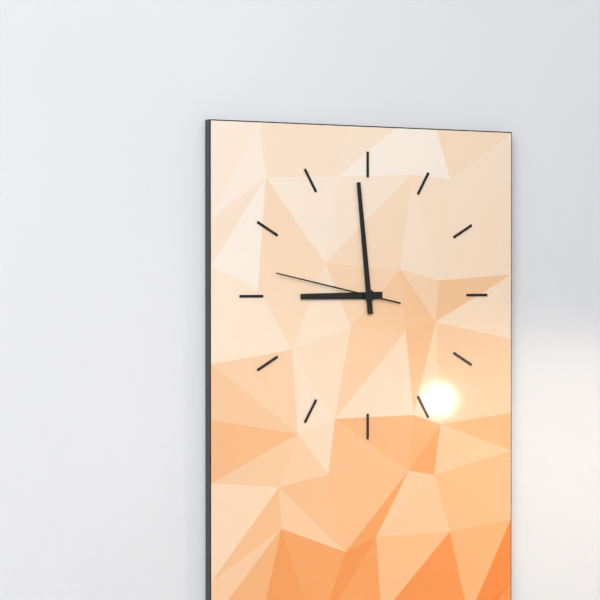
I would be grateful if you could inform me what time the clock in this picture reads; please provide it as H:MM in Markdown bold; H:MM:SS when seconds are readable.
**8:59:47**
